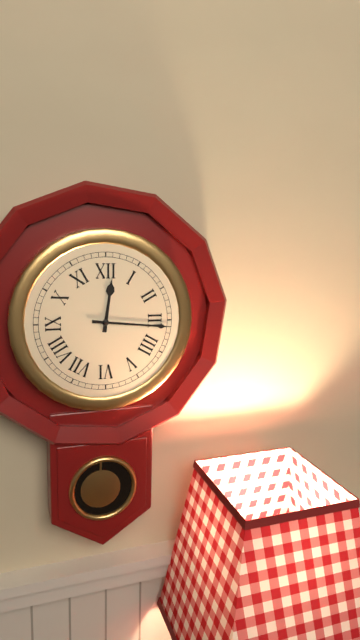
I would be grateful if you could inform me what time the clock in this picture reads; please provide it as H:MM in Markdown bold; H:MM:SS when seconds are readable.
**12:16**
